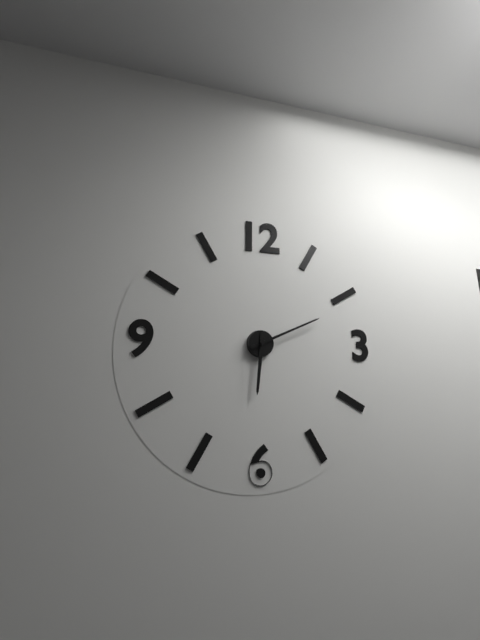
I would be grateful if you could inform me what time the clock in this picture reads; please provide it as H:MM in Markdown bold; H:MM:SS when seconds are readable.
**6:11**
